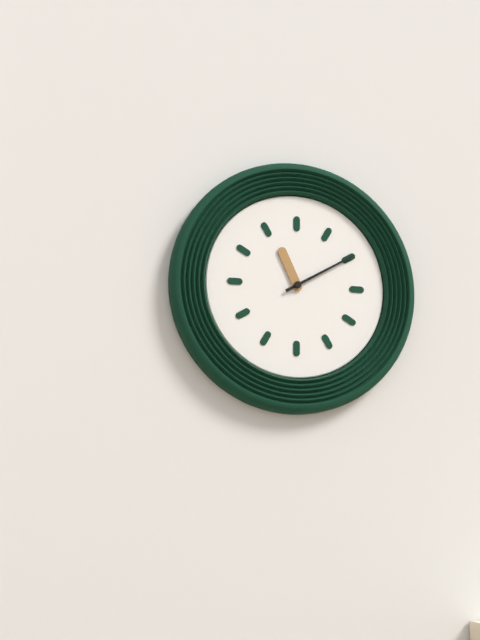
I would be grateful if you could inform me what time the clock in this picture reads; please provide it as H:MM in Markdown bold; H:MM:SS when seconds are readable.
**11:10**
